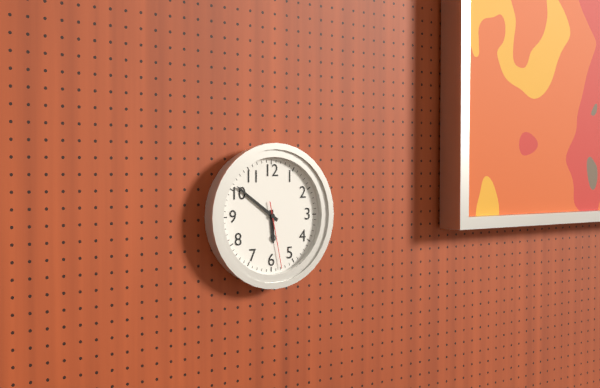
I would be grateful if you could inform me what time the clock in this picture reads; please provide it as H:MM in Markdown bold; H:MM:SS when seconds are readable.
**5:51:28**
